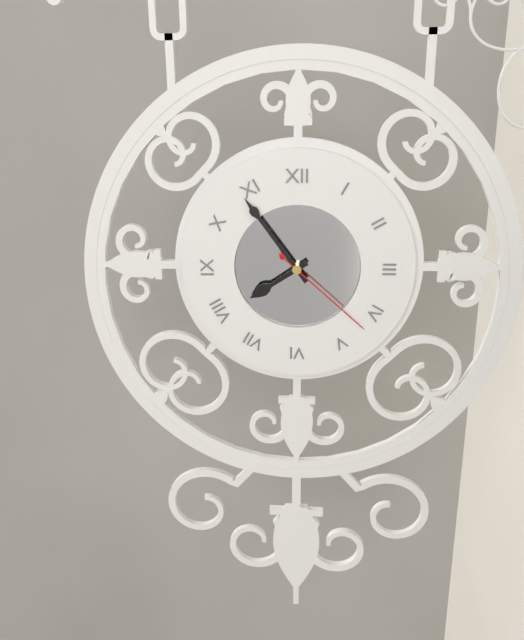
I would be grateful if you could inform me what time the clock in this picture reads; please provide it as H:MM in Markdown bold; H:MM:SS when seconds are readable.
**7:54:22**
